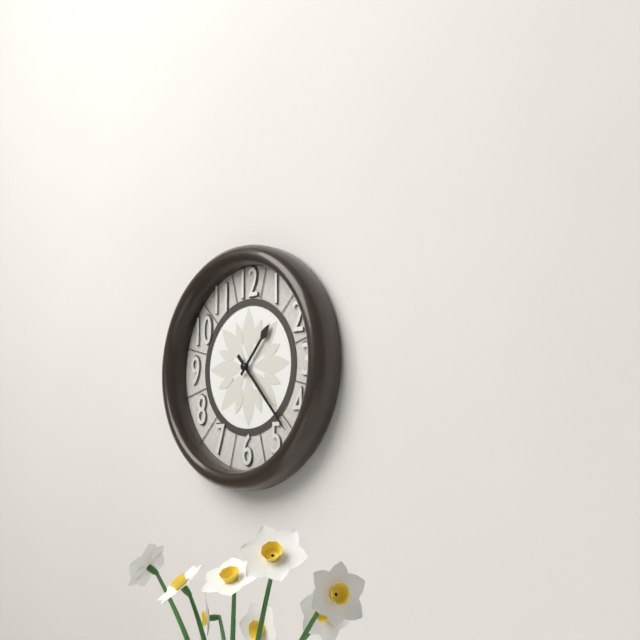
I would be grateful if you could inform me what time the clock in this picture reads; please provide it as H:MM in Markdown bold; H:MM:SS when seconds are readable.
**1:23**
